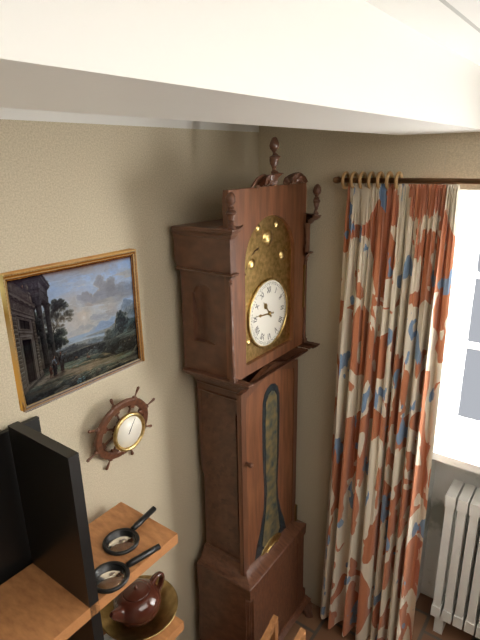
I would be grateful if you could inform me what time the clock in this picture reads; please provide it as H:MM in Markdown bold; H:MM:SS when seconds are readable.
**10:46**
